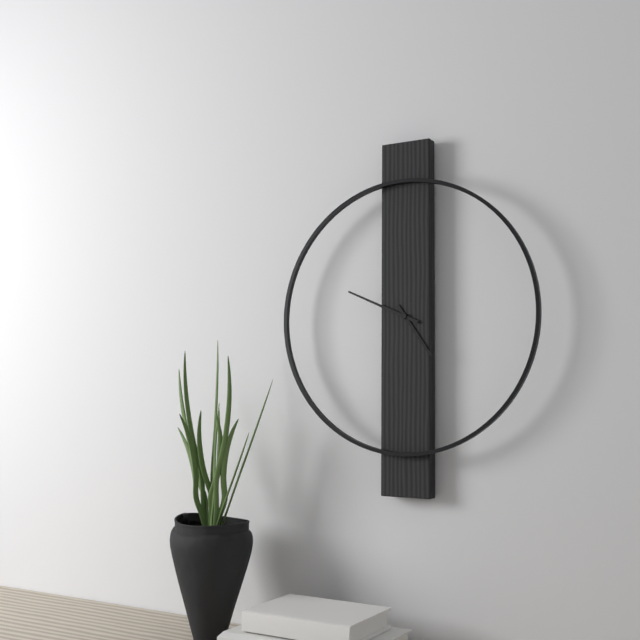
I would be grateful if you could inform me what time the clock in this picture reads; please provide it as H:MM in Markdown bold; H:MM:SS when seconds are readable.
**4:49**
